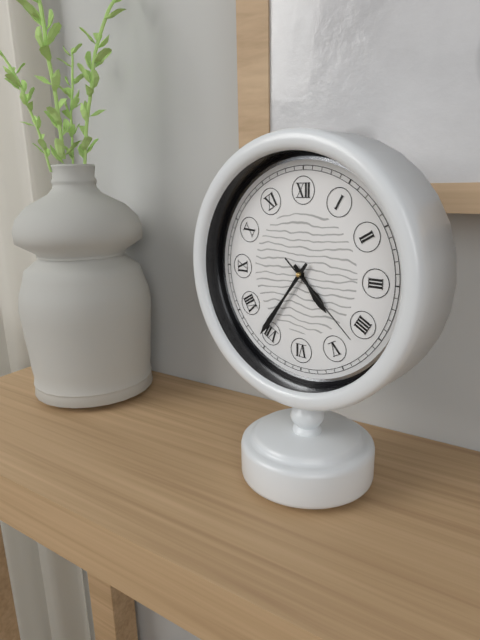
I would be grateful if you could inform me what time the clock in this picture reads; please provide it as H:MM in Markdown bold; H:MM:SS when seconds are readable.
**4:36:22**
